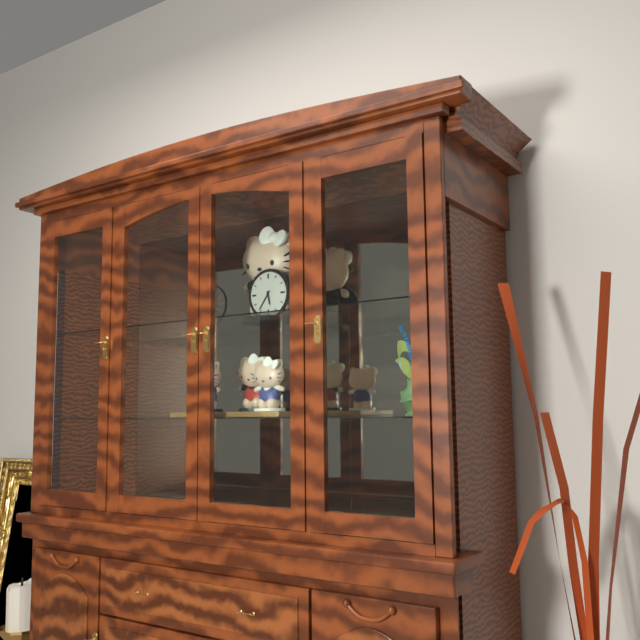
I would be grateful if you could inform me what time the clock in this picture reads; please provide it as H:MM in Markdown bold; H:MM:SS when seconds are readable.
**5:36**
